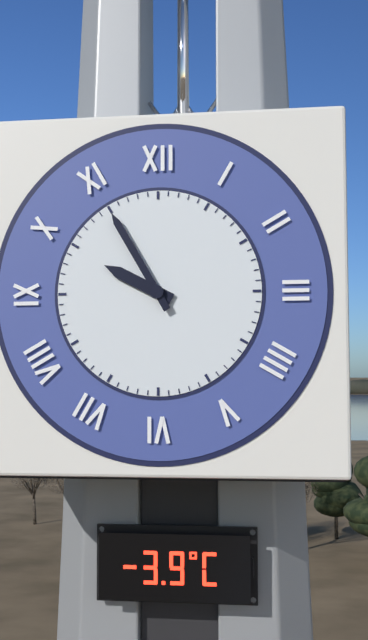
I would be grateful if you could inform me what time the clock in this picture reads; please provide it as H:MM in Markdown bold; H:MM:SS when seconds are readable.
**9:55**
